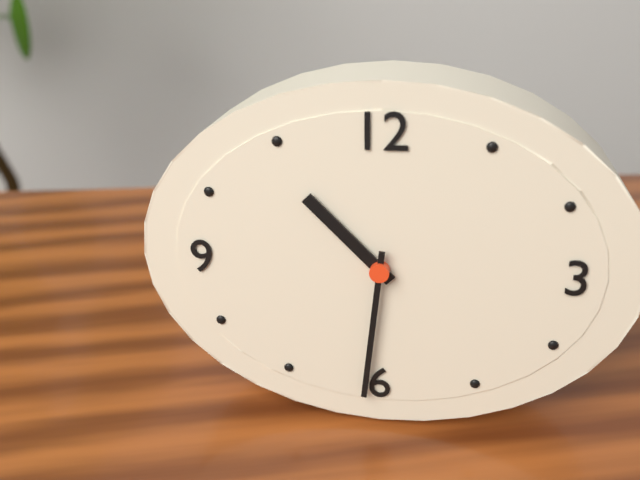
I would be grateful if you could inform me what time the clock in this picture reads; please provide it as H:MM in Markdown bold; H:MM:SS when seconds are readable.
**10:31**
